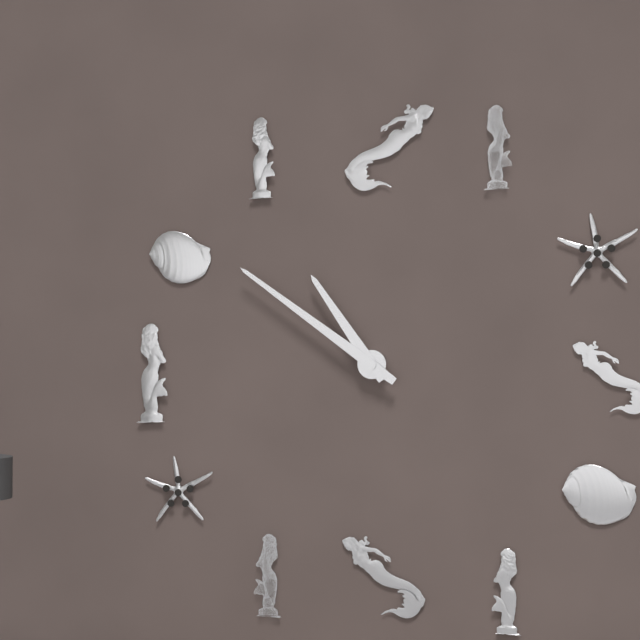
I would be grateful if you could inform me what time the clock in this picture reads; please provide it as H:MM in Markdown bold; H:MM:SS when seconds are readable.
**10:51**
